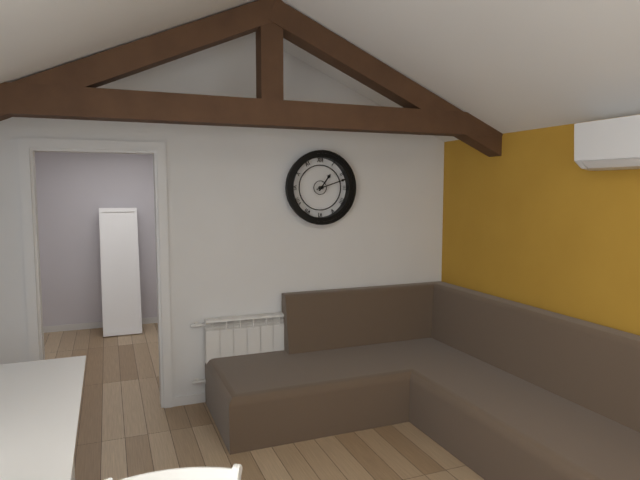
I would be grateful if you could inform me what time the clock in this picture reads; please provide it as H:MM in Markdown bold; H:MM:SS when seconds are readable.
**1:12**
